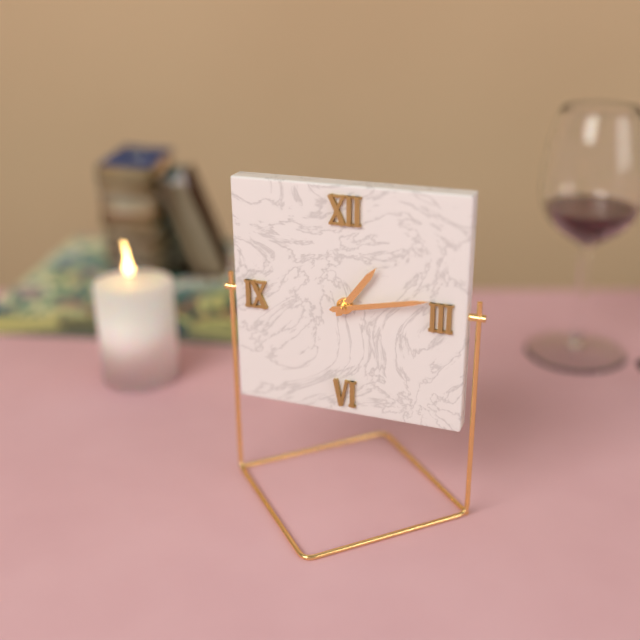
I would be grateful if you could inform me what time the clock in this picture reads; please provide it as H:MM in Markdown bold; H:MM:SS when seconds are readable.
**1:13**
